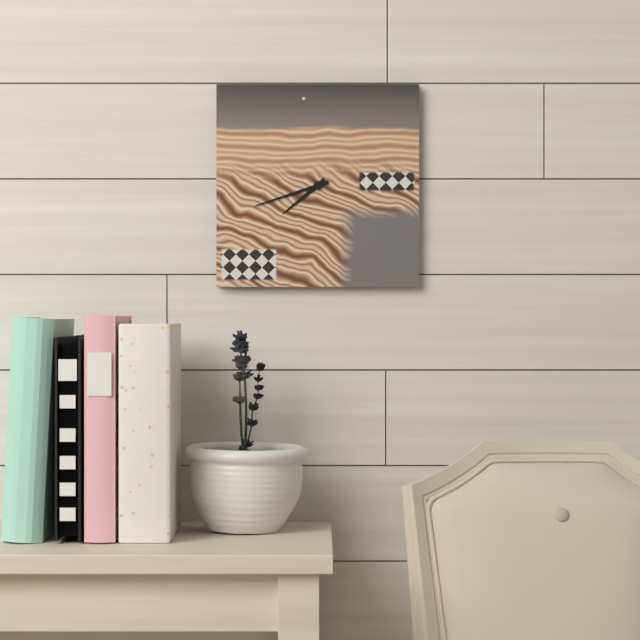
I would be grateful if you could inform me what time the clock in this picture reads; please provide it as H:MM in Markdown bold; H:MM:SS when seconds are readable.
**7:42**
